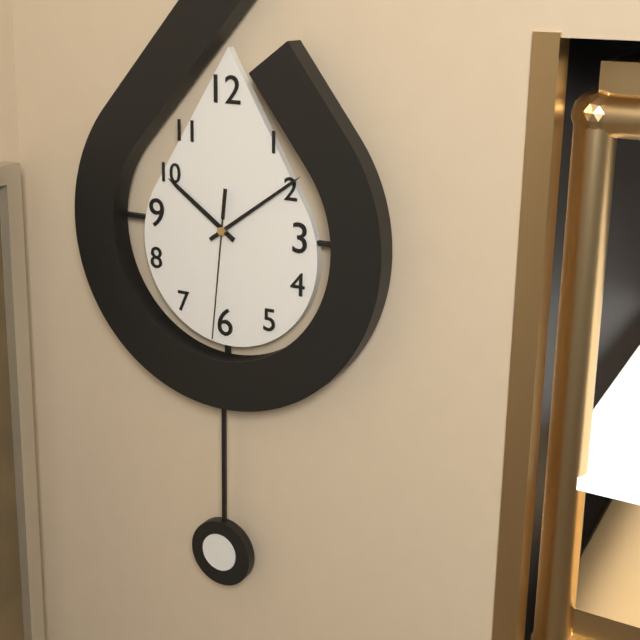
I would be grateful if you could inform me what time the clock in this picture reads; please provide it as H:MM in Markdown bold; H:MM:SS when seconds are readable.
**10:09:31**
